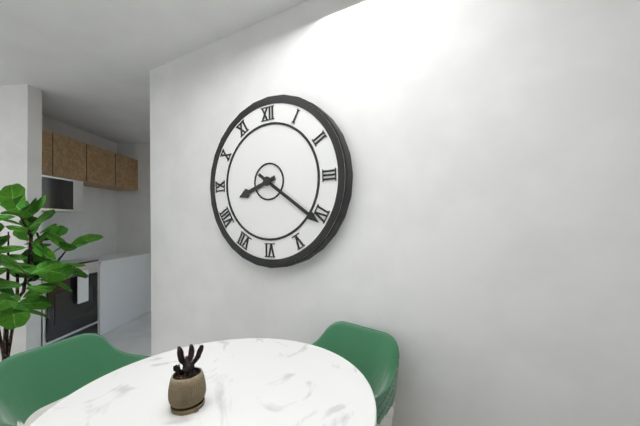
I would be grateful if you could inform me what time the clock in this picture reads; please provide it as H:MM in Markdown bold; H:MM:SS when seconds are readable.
**8:21**
